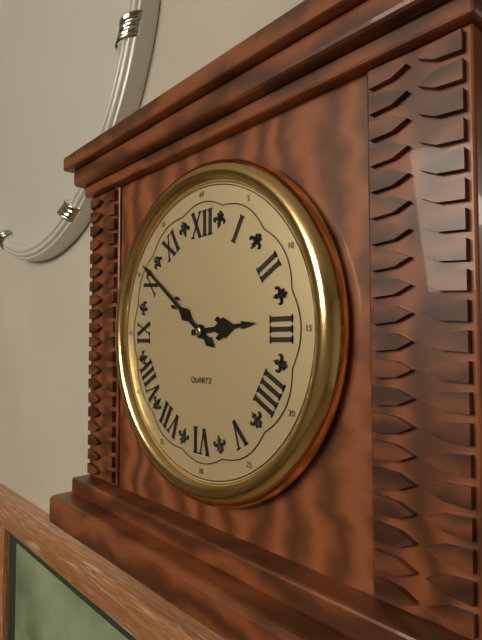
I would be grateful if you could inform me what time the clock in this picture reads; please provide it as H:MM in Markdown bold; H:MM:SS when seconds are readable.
**2:51**
